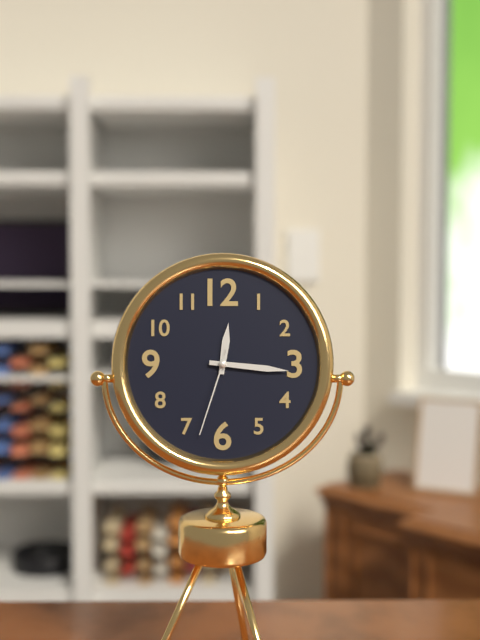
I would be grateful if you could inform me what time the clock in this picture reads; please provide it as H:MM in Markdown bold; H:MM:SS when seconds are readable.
**12:16:33**
